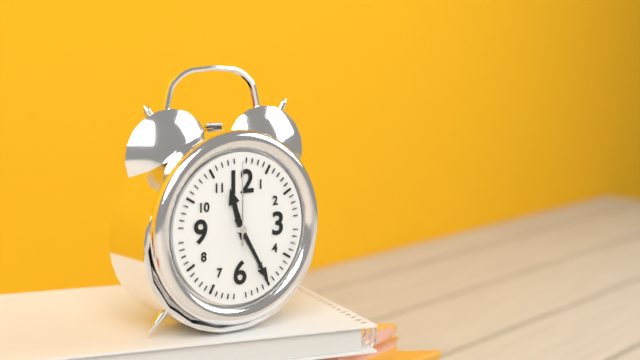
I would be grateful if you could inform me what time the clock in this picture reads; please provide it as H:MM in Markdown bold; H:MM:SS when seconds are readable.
**11:25:00**
